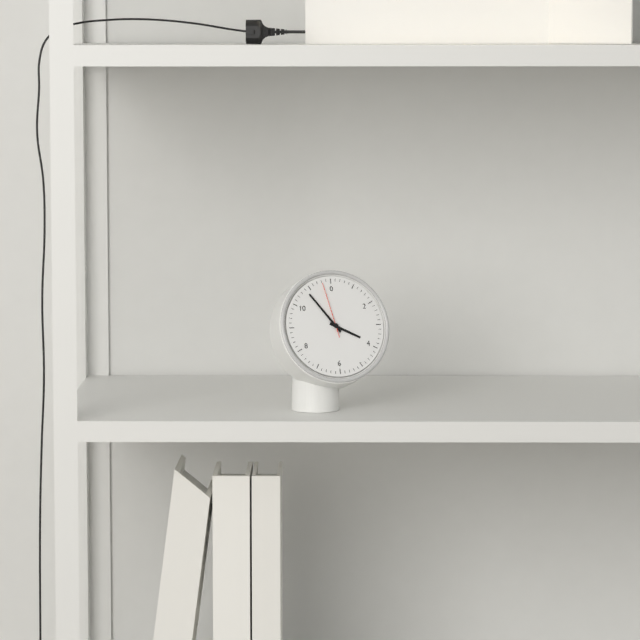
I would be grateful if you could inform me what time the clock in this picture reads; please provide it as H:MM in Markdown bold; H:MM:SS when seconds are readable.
**3:54:58**
